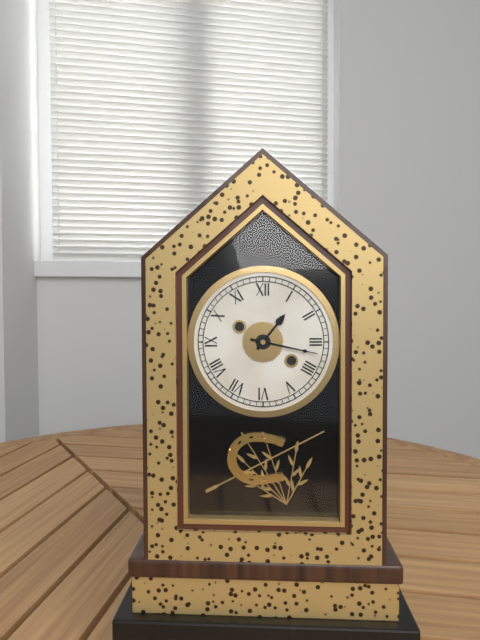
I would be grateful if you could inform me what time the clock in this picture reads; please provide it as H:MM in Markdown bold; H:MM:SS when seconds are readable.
**1:17**
